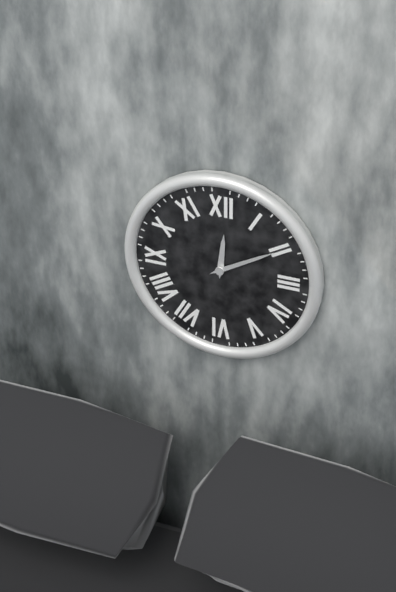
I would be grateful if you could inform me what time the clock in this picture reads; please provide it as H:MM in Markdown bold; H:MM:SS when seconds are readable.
**12:10**
